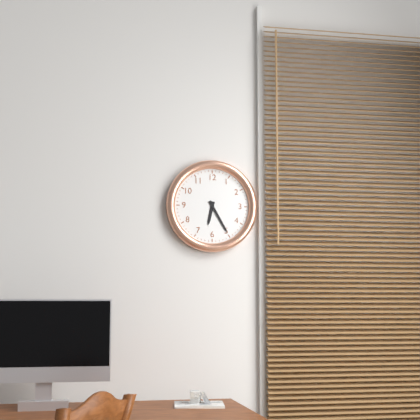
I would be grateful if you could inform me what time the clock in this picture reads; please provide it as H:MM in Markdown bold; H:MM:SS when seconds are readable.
**6:25**
